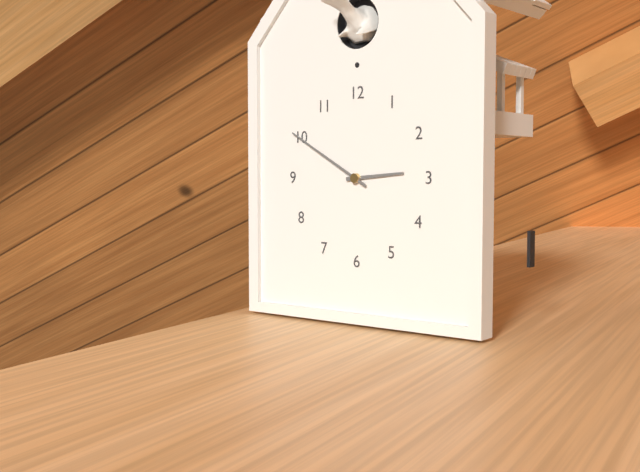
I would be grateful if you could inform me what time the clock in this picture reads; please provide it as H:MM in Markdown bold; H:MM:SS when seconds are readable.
**2:50**
